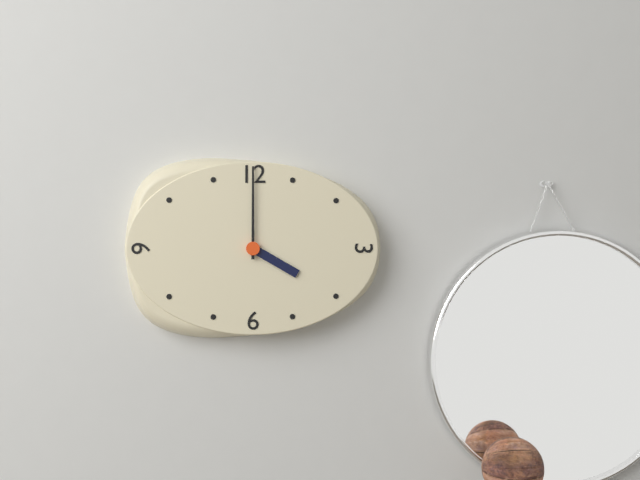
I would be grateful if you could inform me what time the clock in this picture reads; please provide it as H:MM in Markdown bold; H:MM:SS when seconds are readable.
**4:00**
